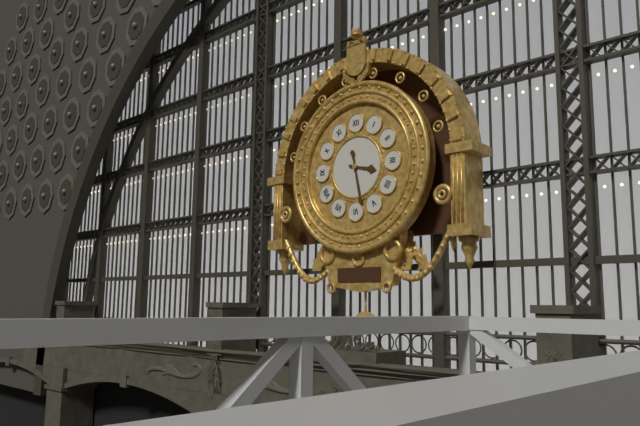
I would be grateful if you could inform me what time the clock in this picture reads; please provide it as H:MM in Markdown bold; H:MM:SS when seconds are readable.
**3:28**
